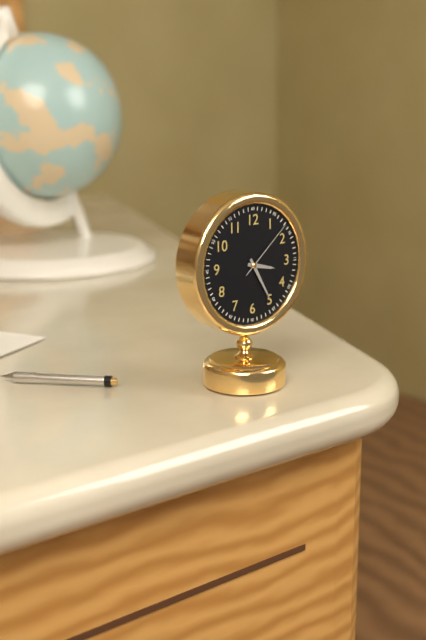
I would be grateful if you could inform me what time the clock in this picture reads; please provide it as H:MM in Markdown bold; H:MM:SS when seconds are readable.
**3:25:08**
